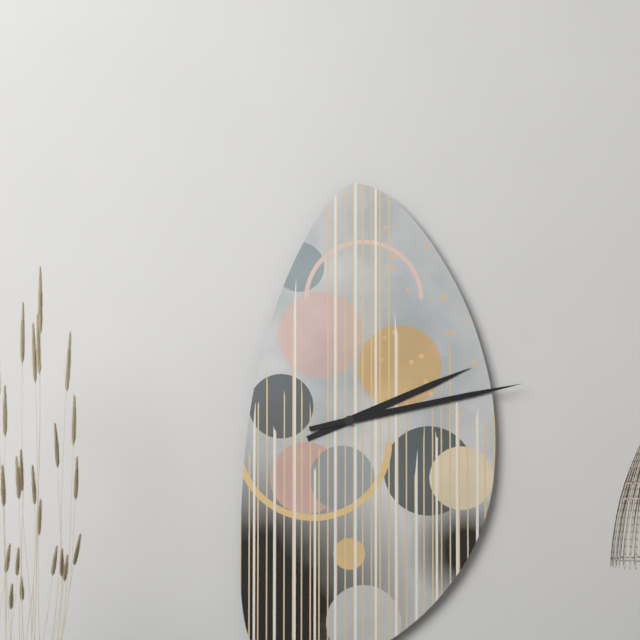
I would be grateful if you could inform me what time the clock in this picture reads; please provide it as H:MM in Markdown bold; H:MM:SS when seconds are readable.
**2:13**
